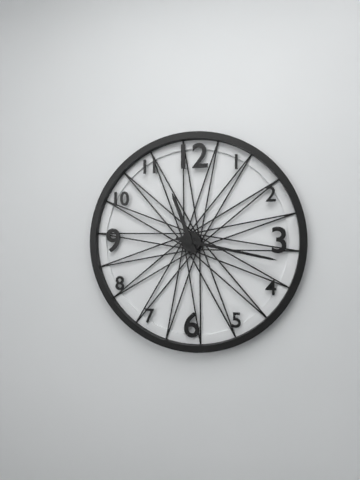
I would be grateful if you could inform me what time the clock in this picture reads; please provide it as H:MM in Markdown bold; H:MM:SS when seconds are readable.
**11:17**
